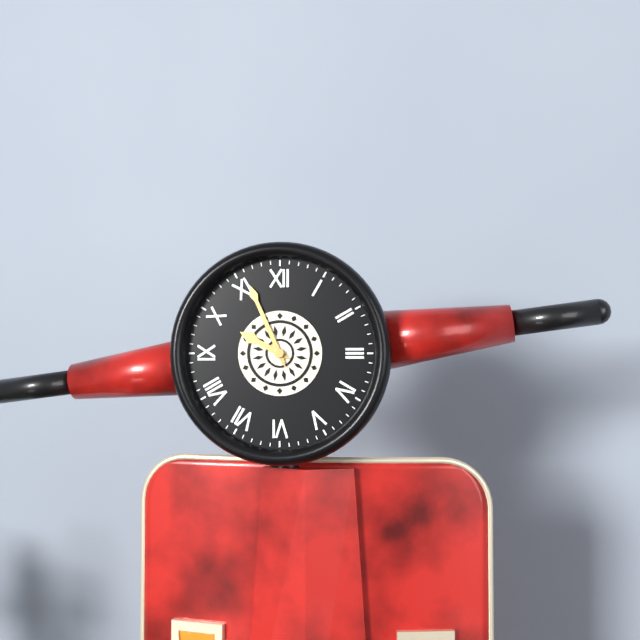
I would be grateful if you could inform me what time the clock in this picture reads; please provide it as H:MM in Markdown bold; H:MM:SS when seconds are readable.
**9:56**
